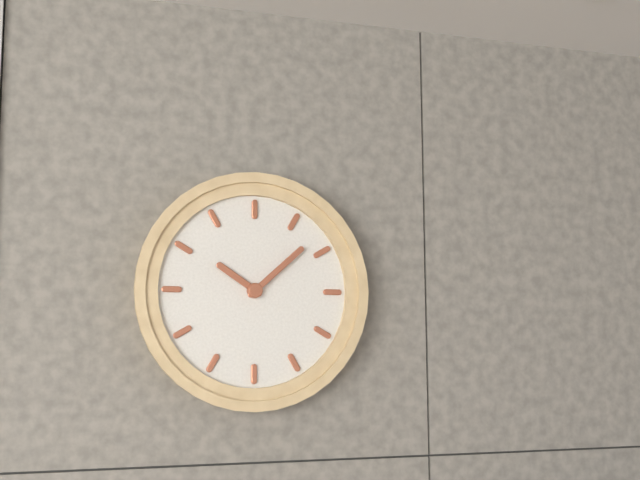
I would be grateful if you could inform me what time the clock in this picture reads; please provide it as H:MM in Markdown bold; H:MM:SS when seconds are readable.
**10:08**
